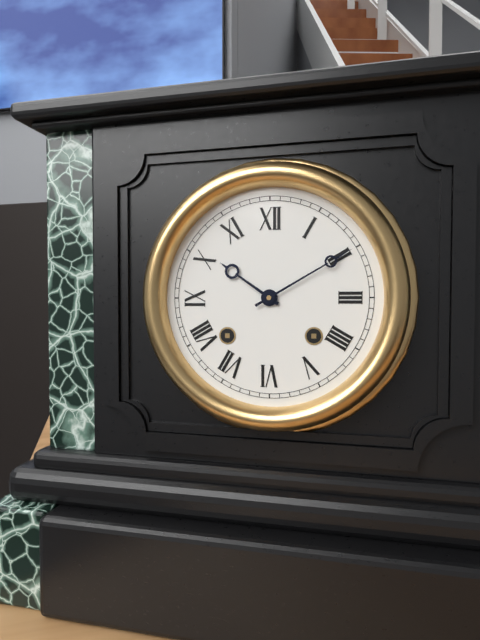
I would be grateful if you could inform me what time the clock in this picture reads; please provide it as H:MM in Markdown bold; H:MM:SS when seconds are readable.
**10:10**
